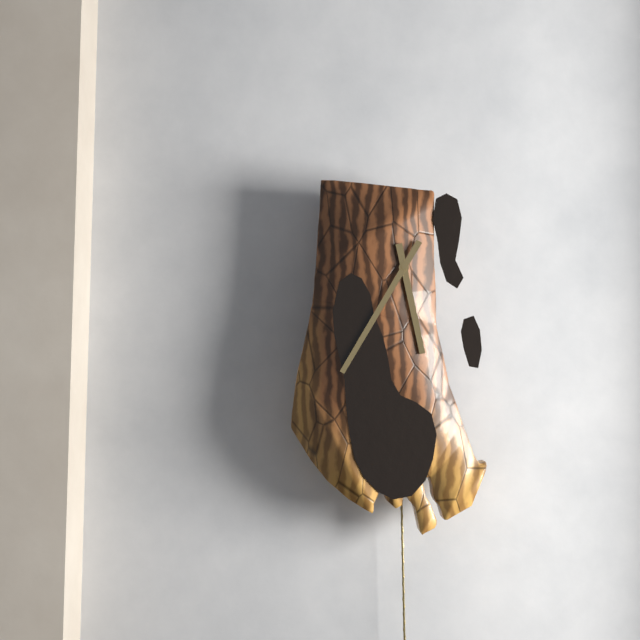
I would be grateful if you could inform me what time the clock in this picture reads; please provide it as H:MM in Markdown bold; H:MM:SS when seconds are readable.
**5:35**
